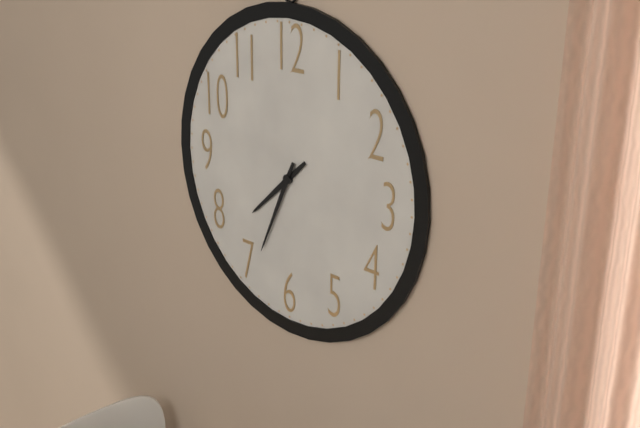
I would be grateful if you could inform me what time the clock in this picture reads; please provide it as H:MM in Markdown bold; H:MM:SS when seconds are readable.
**7:34**
